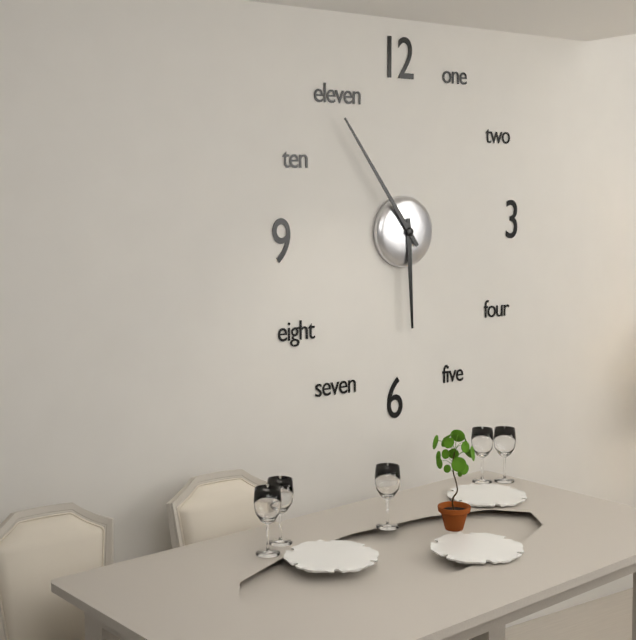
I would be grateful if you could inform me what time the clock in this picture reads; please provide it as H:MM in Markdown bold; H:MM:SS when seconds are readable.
**5:54**
